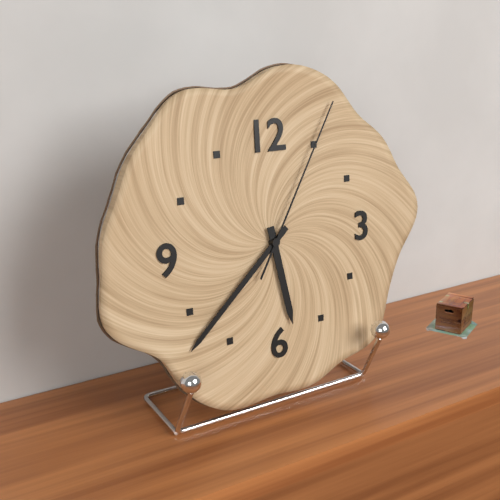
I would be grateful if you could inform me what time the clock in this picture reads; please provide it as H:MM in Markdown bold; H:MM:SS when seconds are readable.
**5:38:05**
